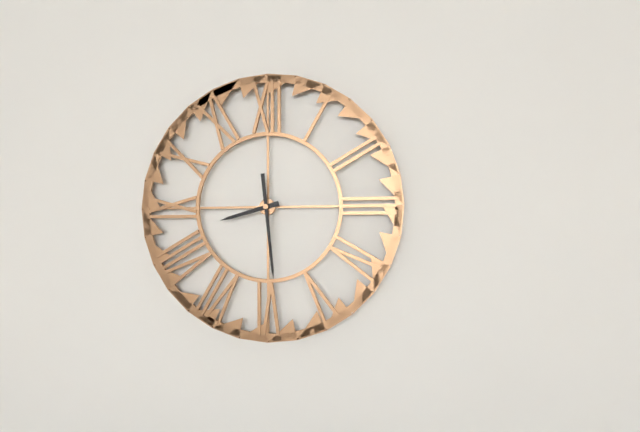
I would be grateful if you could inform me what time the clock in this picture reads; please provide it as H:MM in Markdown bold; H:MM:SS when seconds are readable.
**8:29**
